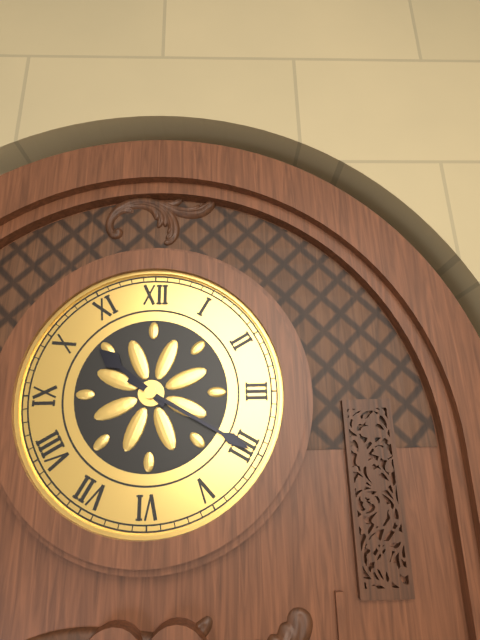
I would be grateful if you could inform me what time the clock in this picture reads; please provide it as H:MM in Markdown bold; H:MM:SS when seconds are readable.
**10:20**
